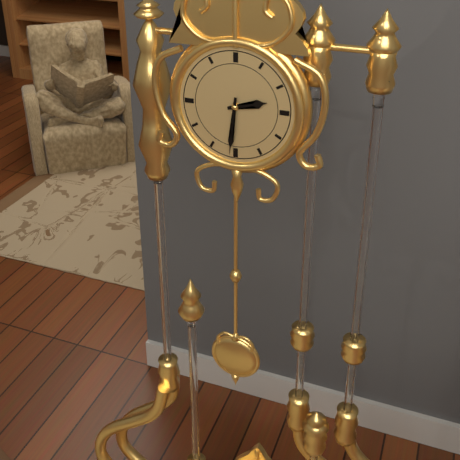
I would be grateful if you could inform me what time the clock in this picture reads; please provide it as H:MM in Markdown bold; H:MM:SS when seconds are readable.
**2:31**
